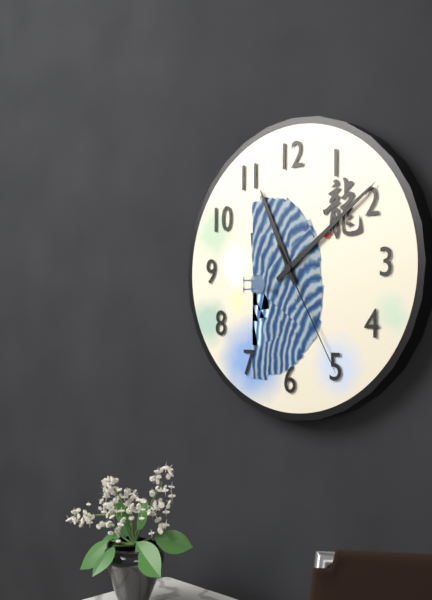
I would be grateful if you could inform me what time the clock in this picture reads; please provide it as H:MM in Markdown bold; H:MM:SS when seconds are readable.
**11:09:25**
